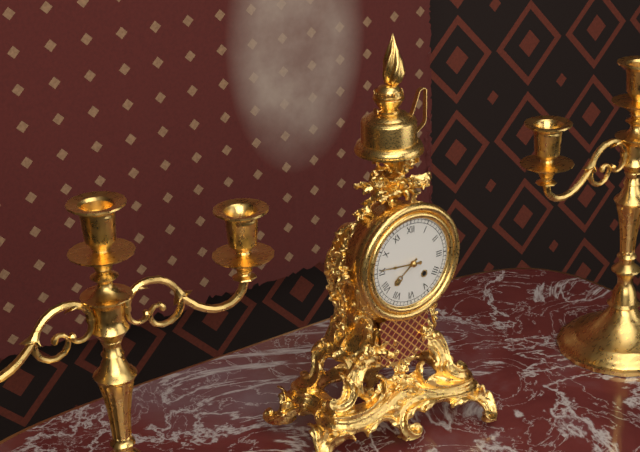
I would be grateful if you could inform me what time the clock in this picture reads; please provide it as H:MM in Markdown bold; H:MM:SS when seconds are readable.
**7:46**
